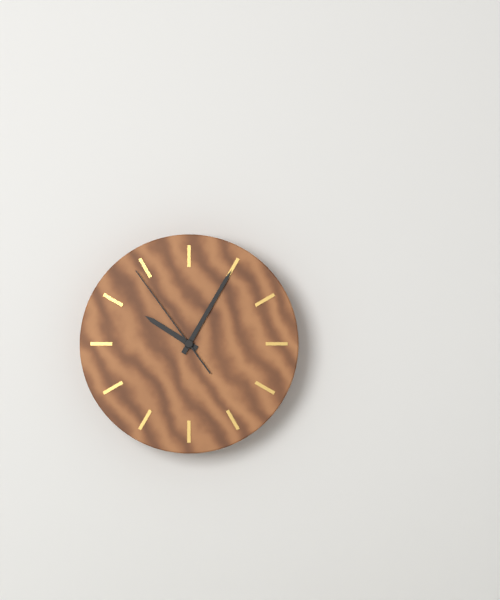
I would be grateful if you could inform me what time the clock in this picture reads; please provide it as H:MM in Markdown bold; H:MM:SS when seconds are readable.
**10:05:54**
